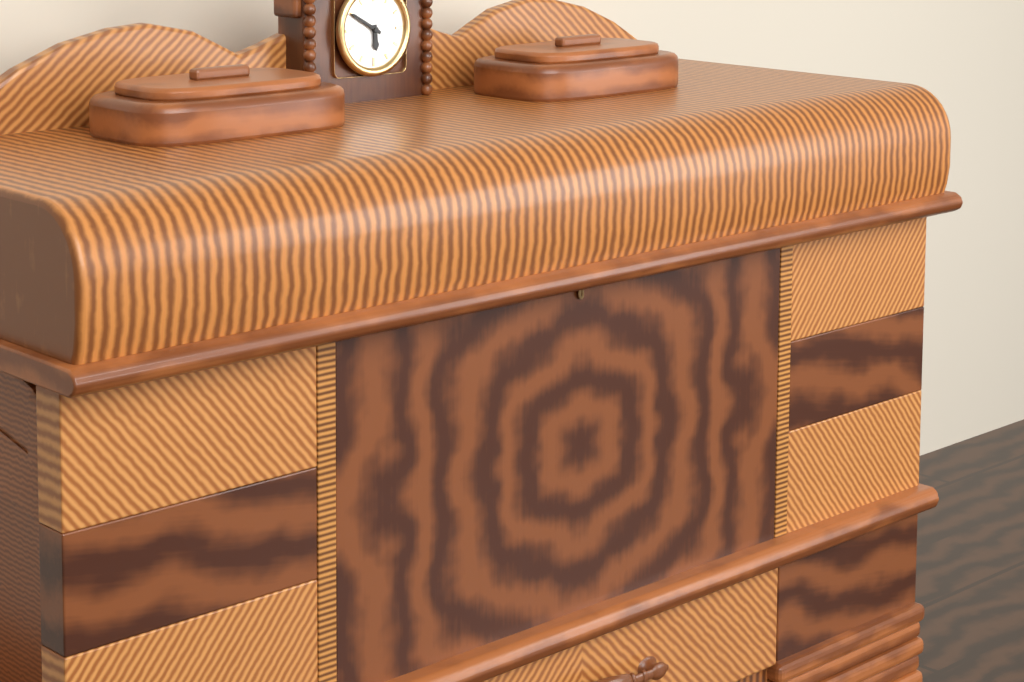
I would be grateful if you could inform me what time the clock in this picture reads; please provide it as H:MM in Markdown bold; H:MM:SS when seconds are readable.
**5:50**
